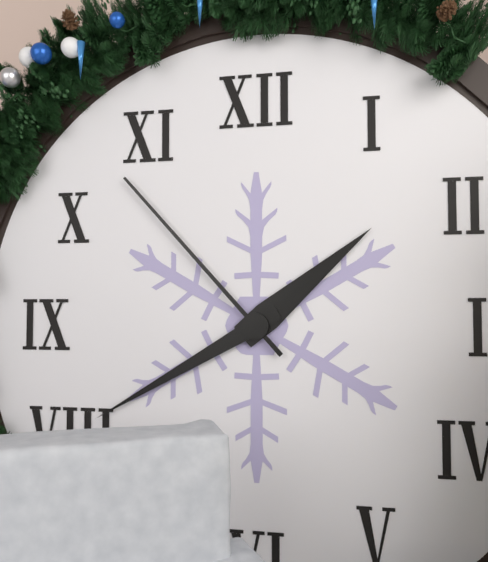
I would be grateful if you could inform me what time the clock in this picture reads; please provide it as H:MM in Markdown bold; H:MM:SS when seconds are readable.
**1:40:53**
